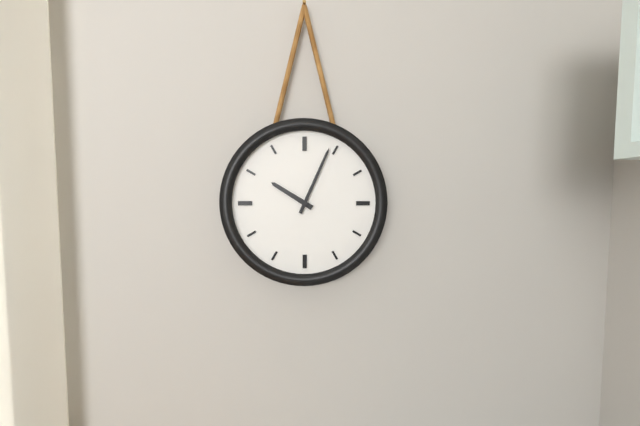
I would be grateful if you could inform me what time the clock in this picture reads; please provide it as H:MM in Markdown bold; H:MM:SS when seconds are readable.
**10:04**
